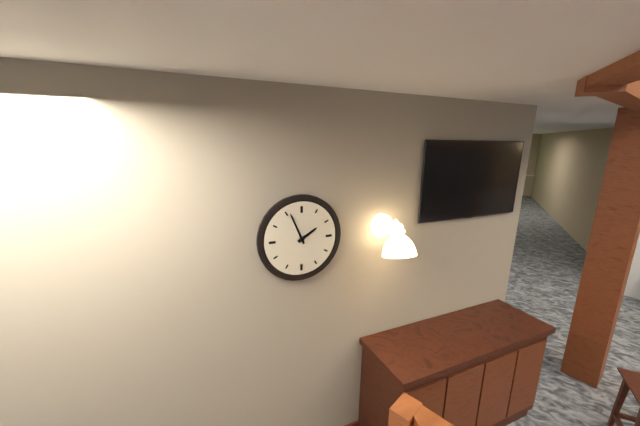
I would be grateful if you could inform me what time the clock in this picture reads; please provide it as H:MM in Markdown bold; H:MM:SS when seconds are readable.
**1:56**
